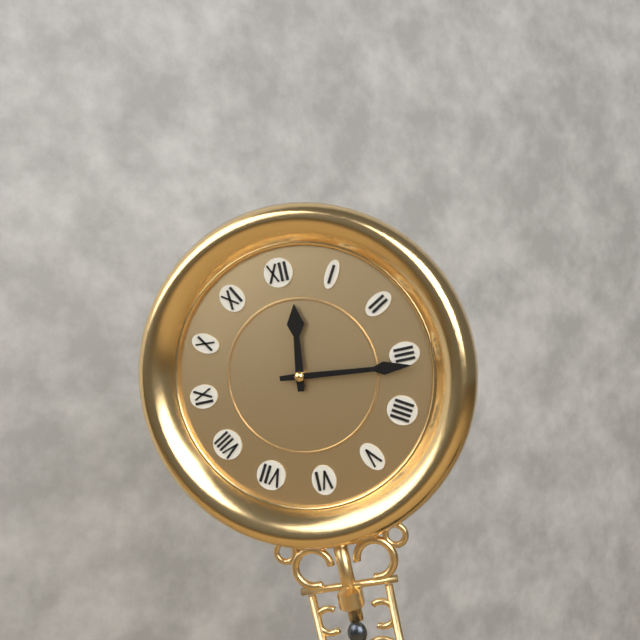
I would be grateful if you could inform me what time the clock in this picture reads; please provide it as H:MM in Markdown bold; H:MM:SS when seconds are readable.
**12:16**
